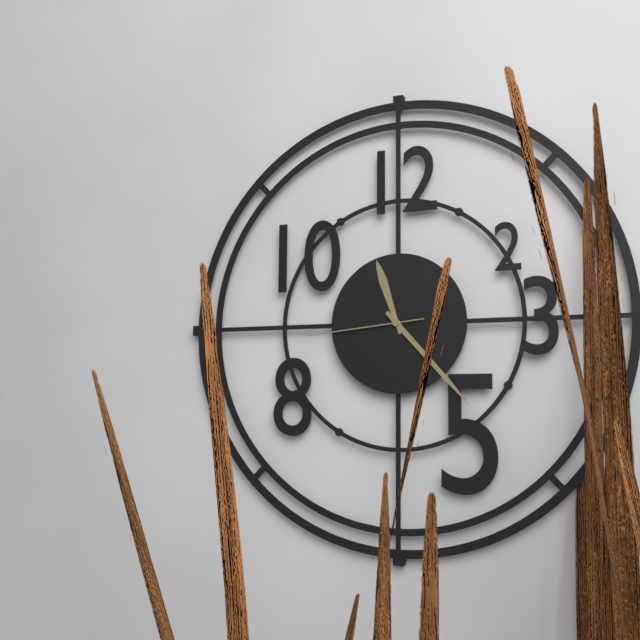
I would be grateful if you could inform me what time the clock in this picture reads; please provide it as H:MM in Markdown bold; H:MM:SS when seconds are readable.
**11:23:44**
